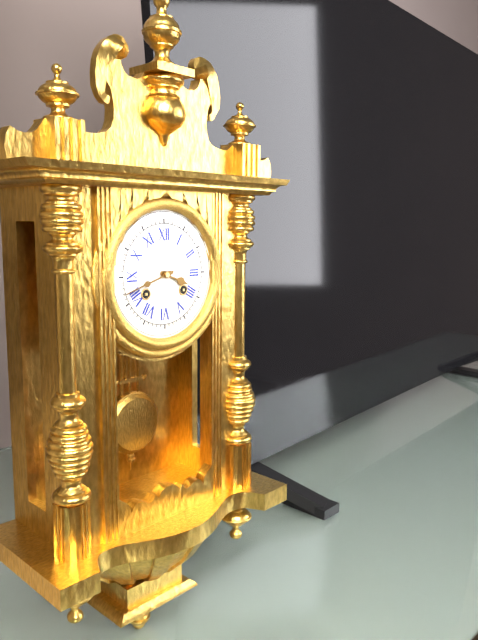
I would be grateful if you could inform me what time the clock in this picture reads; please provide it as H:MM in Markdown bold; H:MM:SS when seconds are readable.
**3:42**
